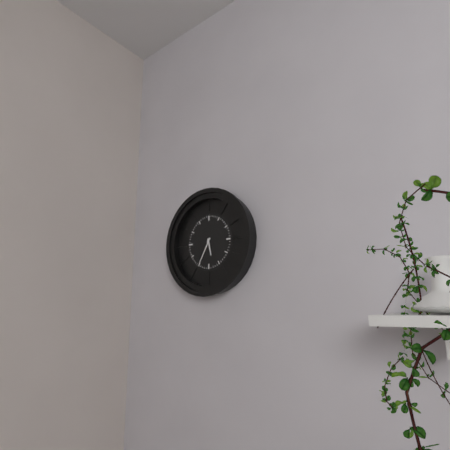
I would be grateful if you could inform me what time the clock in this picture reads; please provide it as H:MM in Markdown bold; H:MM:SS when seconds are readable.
**5:35**
